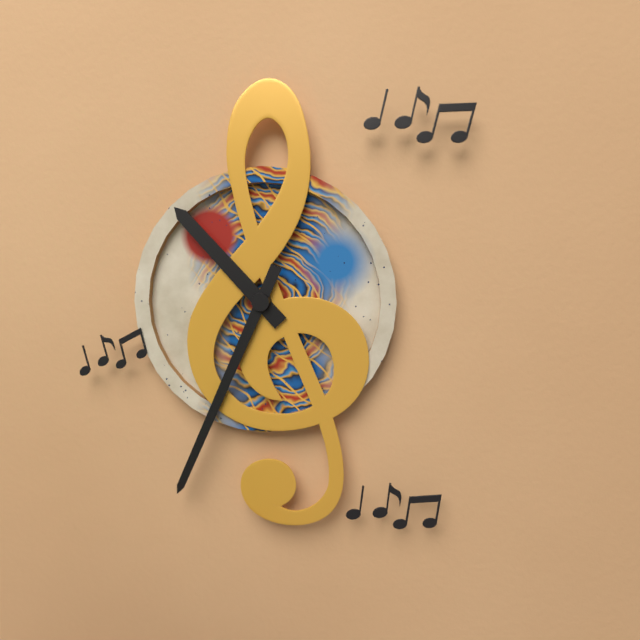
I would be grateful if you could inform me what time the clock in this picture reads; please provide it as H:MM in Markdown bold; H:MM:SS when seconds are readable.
**10:34**
